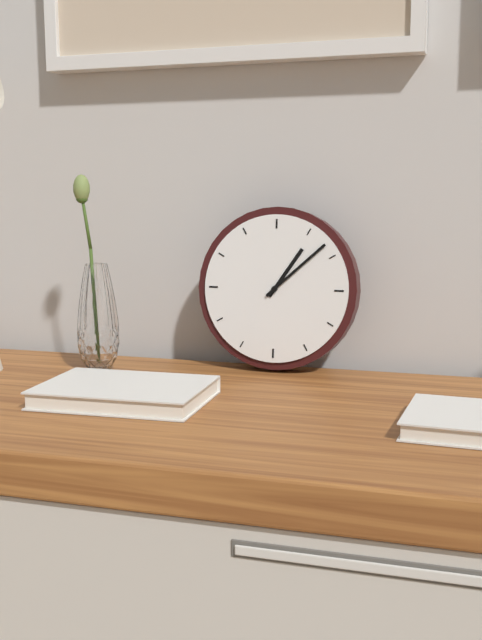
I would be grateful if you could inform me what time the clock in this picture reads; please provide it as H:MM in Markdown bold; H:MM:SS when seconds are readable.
**1:08**
